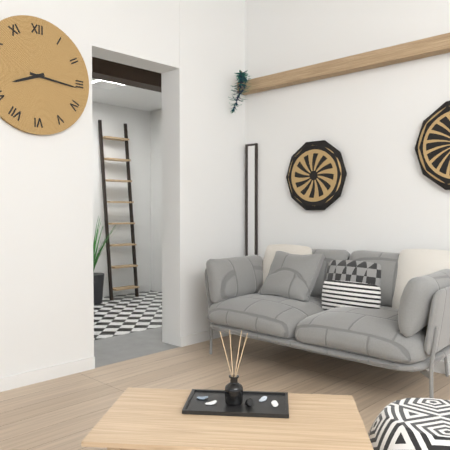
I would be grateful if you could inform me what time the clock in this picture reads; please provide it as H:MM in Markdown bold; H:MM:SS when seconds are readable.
**8:16**
